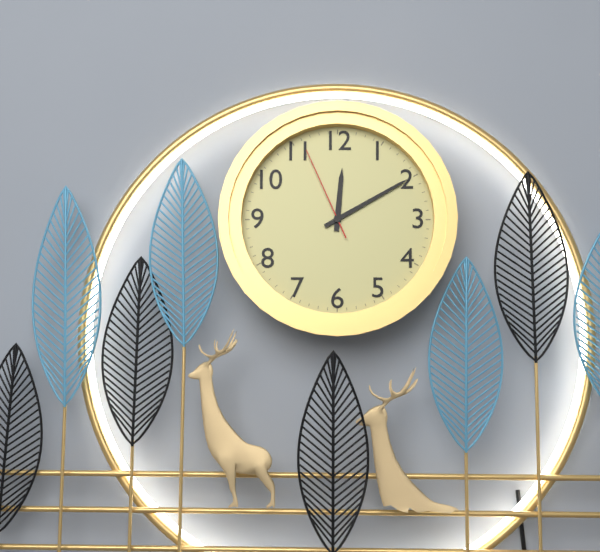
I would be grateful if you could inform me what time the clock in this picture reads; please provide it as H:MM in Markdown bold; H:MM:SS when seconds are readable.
**12:10:56**
